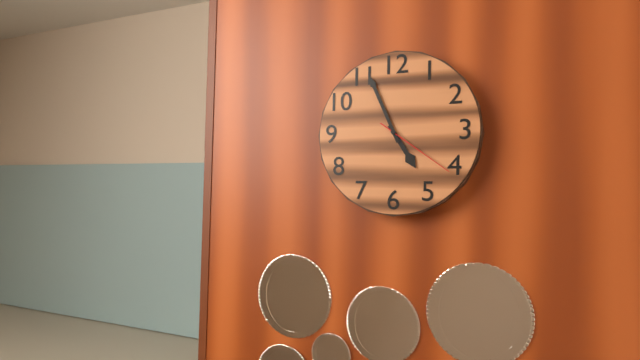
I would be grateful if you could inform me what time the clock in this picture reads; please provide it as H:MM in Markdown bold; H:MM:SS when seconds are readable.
**4:56:21**
